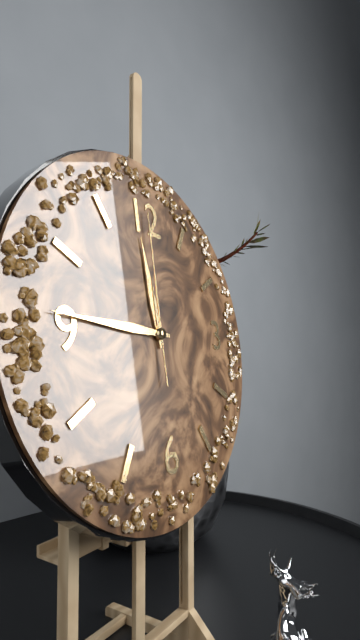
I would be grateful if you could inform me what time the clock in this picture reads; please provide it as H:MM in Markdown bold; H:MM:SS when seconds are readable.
**11:46:00**
